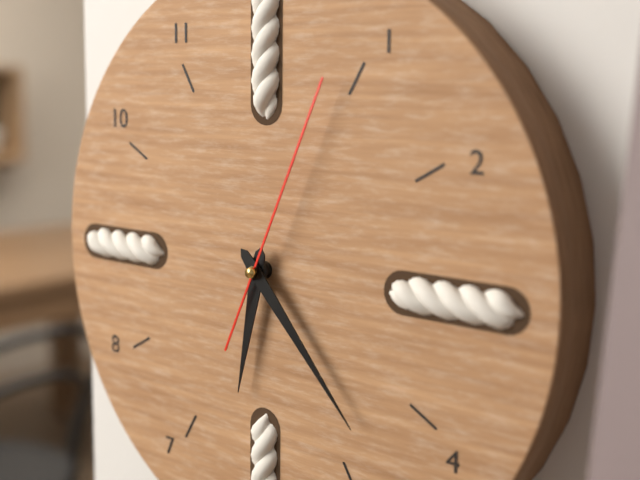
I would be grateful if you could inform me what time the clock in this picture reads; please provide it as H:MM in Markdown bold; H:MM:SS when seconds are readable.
**6:23:04**
